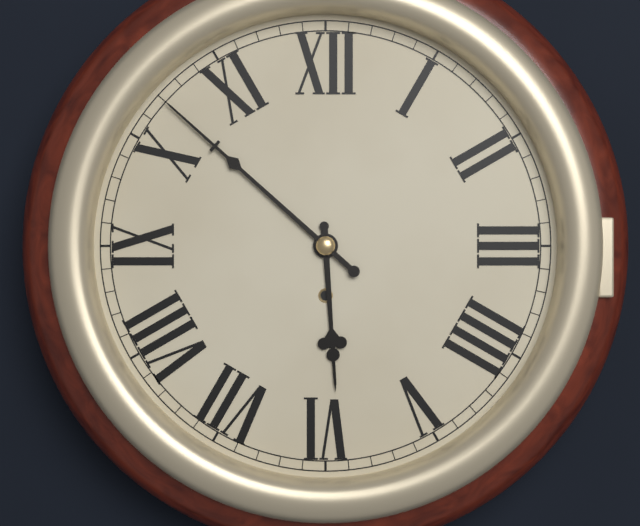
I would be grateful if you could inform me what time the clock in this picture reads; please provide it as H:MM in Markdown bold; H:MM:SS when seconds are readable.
**5:52**
